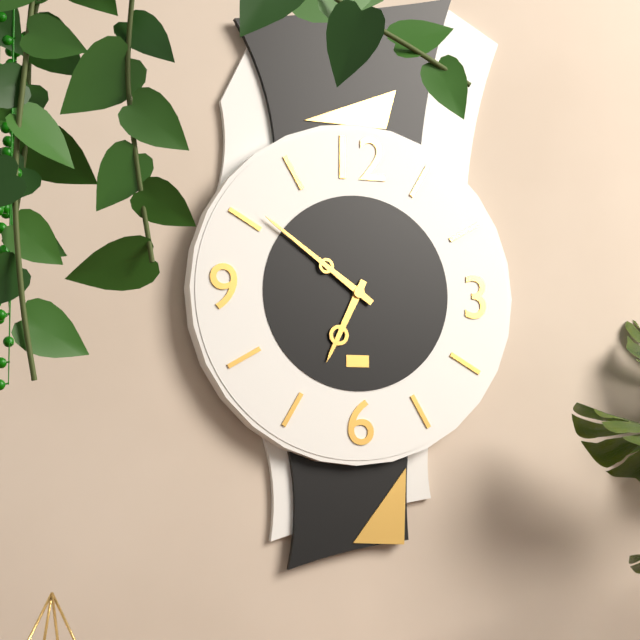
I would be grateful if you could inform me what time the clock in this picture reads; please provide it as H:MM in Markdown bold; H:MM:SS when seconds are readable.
**6:51**
